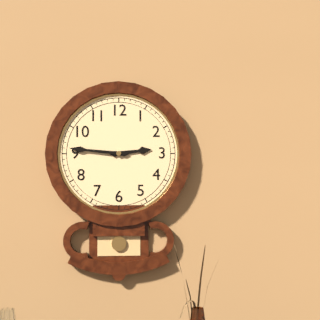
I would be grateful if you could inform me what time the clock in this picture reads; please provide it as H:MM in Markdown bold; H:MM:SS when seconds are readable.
**2:46**
